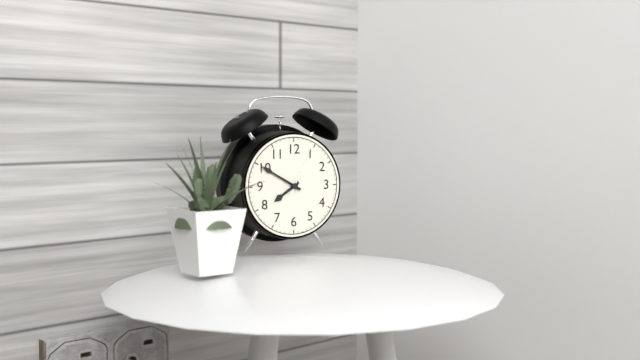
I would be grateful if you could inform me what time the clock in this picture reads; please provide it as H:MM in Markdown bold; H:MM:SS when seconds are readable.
**7:50:04**
